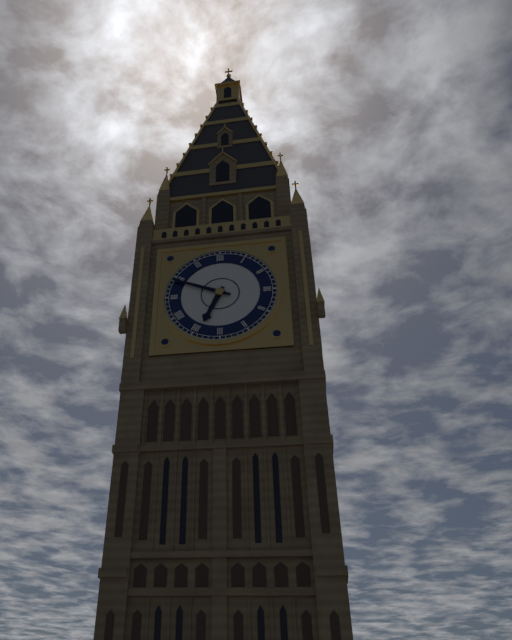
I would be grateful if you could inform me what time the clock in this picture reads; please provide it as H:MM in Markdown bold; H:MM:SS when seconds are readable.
**6:49**
